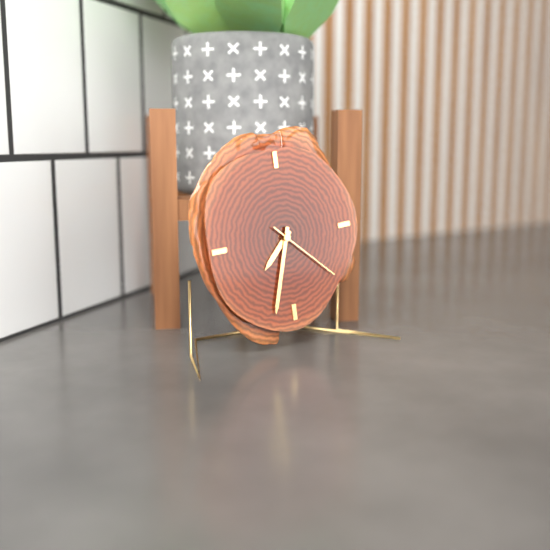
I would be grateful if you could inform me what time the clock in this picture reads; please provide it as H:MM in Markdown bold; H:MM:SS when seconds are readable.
**7:33:22**
